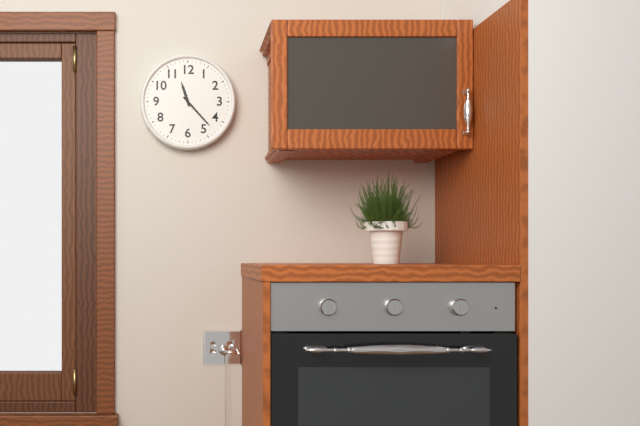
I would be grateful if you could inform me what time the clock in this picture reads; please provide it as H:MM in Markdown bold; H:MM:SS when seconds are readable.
**11:23**
